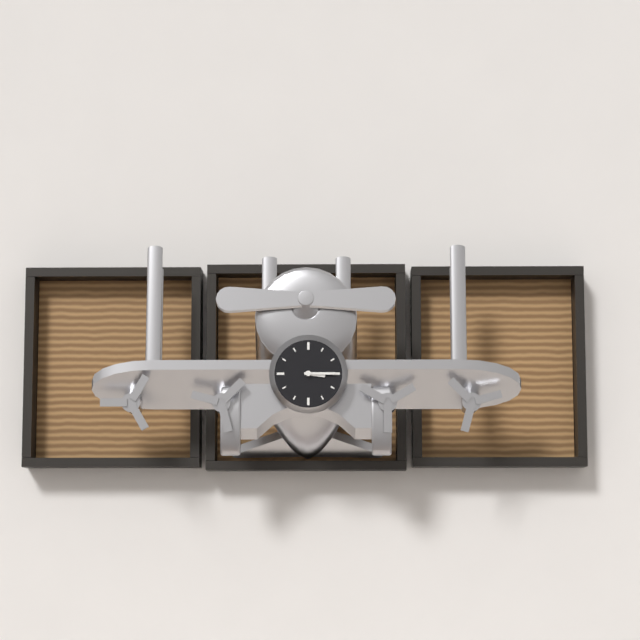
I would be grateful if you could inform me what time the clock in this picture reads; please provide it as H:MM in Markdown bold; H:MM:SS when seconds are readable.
**3:15**
